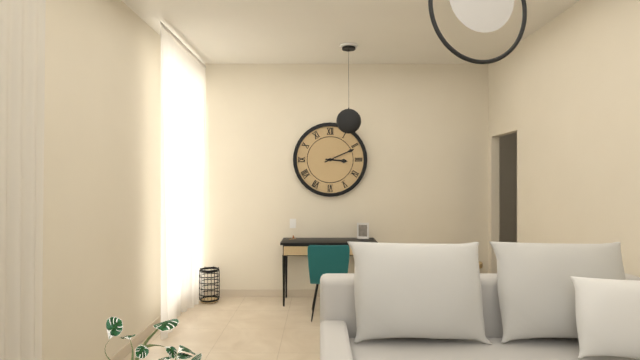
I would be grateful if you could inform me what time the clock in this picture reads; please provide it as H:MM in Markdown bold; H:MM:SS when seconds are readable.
**3:11**
